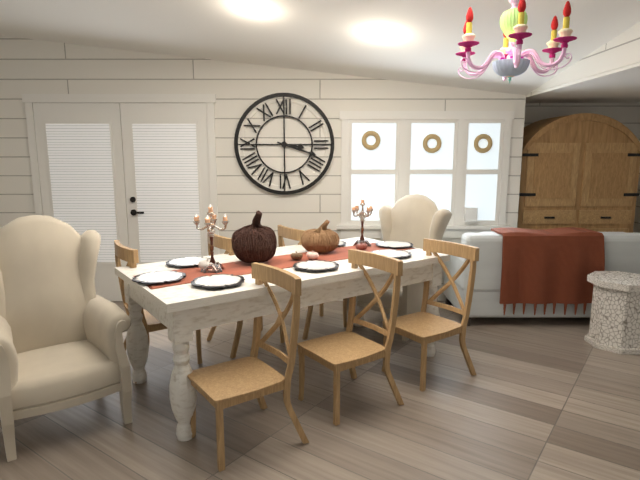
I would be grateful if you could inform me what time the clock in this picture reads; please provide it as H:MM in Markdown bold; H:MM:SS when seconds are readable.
**3:18**
